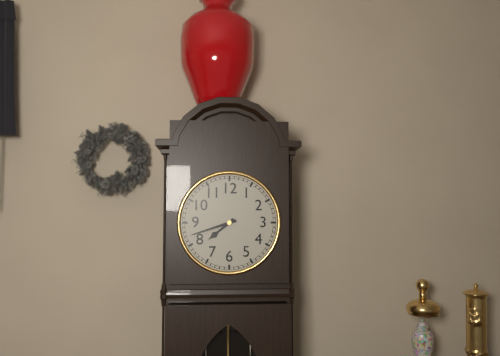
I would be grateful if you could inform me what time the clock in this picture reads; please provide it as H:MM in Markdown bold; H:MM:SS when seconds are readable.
**7:42**
